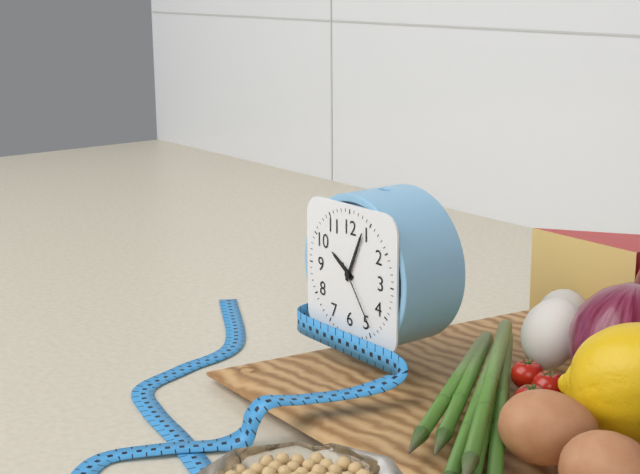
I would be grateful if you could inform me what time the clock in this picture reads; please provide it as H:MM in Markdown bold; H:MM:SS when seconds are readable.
**10:04:24**
